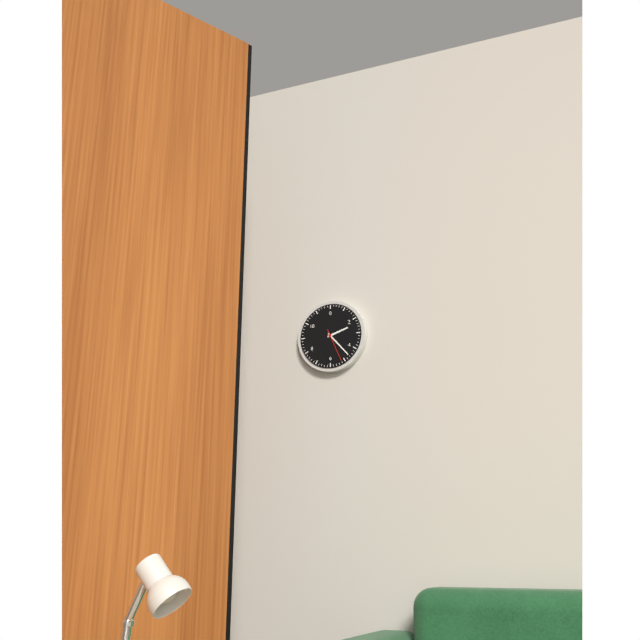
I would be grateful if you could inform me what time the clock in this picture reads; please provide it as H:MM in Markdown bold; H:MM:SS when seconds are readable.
**2:23**
